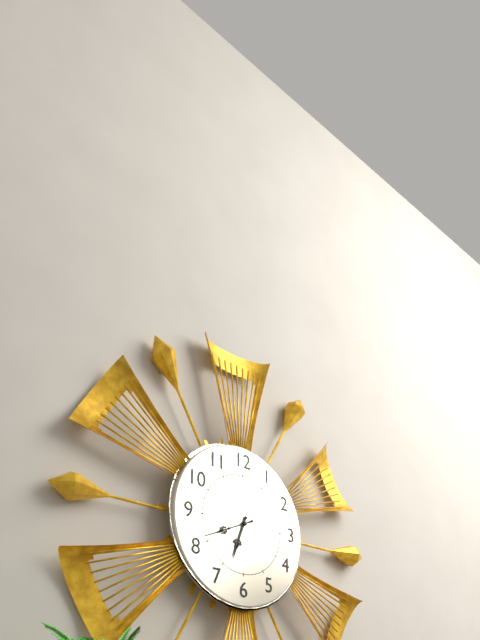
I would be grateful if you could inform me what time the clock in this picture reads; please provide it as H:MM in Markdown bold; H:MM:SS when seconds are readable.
**6:41**
